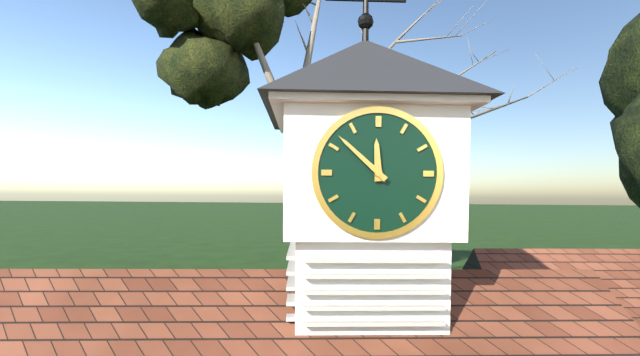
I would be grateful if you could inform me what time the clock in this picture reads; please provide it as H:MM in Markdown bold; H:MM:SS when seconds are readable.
**11:52**
